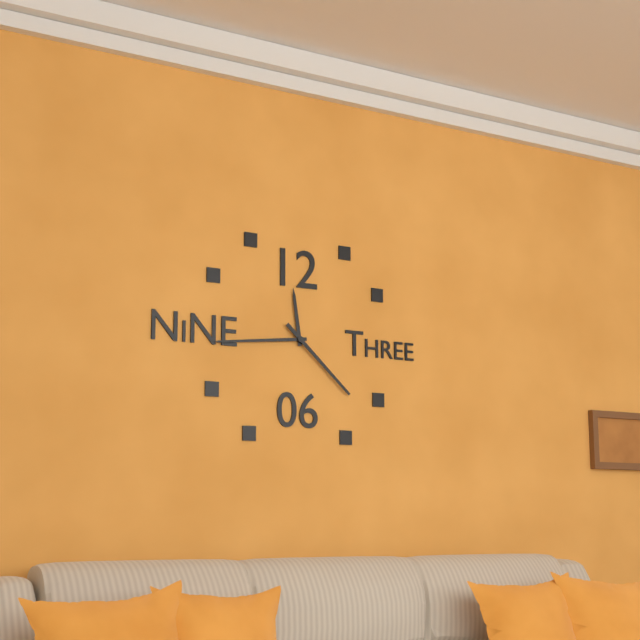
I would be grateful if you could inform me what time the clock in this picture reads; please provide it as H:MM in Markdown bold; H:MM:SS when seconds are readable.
**11:44:22**
